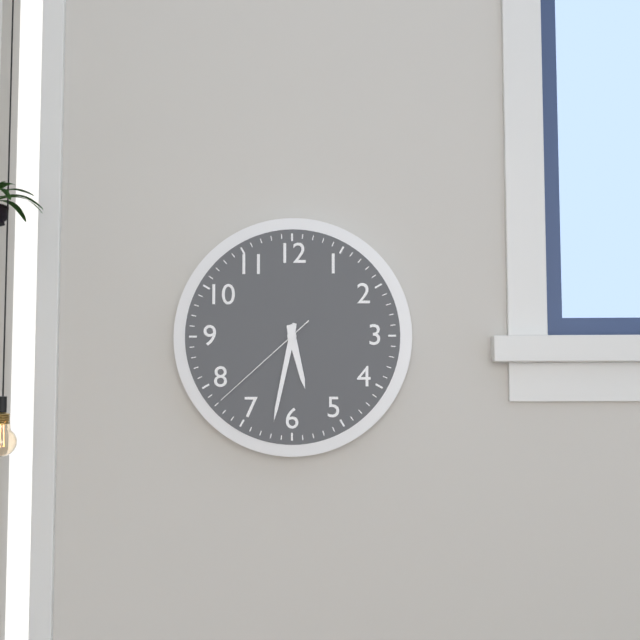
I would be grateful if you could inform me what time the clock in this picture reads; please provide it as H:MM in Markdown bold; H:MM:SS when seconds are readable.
**5:32:38**
